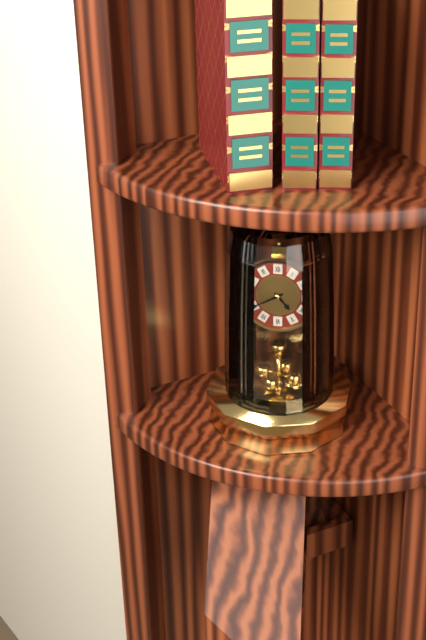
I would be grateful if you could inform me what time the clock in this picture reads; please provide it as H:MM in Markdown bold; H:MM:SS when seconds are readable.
**4:40**
